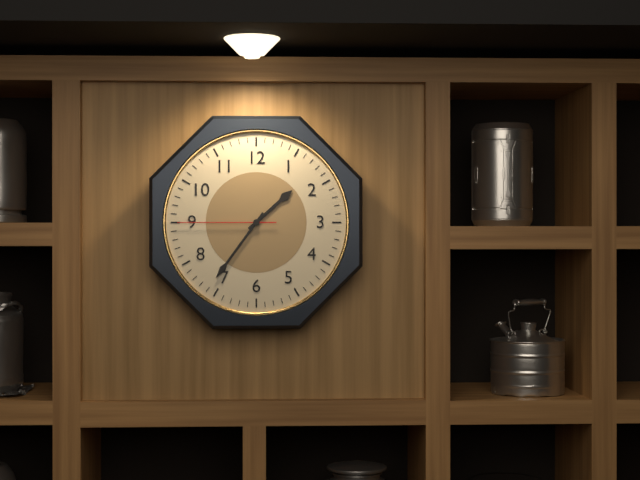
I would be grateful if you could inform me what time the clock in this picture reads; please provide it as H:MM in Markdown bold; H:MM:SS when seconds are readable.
**1:36:45**
